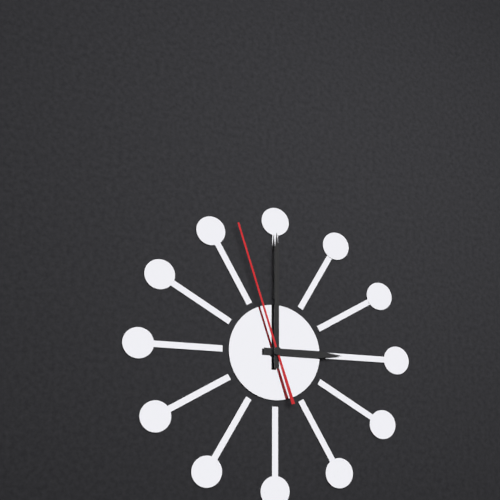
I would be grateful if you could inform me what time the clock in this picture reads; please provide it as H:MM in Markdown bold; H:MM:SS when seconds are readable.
**3:00:57**
